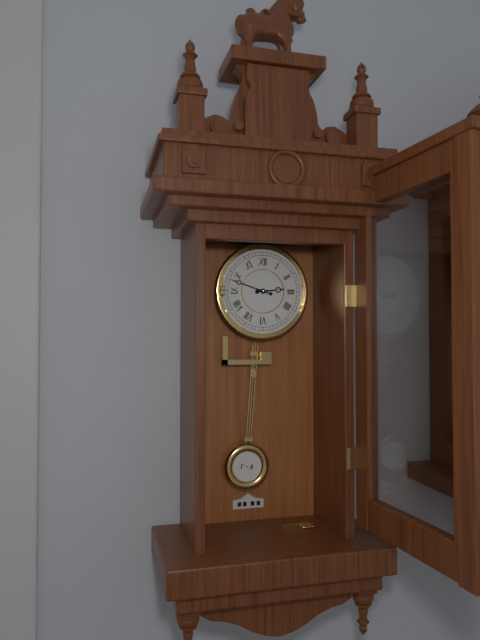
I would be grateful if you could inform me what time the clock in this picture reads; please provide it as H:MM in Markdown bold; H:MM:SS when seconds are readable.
**2:48**
